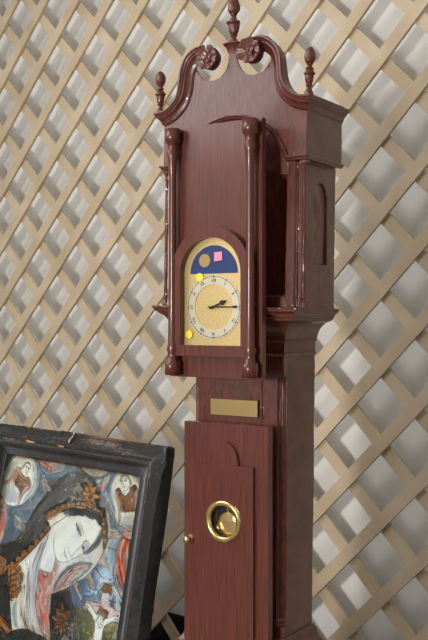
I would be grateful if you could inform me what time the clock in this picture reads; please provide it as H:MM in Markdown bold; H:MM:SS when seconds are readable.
**2:15**
